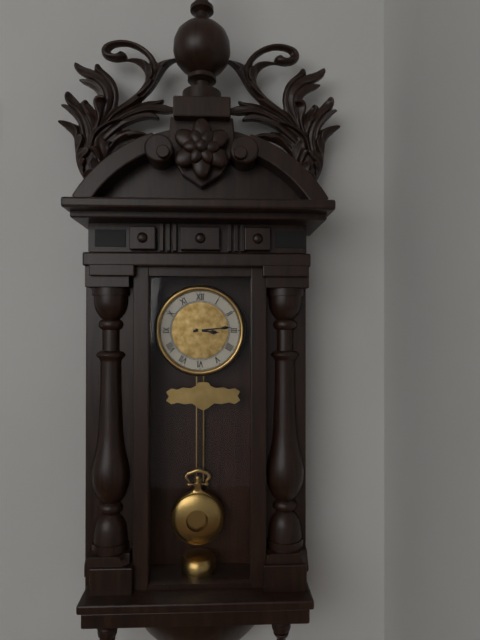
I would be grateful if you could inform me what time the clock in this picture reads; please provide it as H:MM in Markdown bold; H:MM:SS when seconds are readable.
**3:14**
